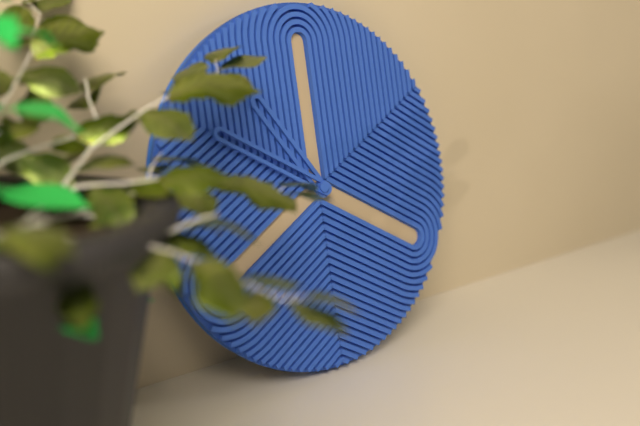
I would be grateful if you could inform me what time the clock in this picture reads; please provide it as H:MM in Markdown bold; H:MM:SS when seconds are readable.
**10:50**
